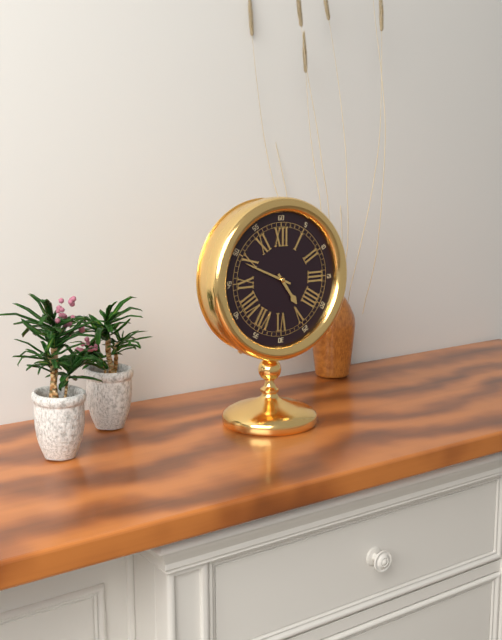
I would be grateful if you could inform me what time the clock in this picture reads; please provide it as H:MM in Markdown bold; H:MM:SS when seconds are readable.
**4:49**
